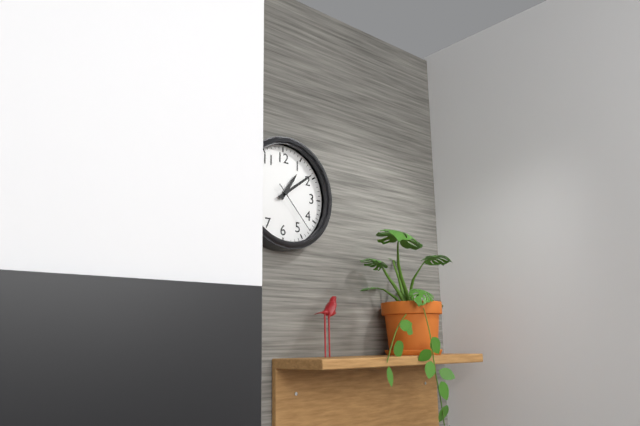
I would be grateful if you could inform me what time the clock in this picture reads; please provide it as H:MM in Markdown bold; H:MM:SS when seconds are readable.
**1:09:23**
